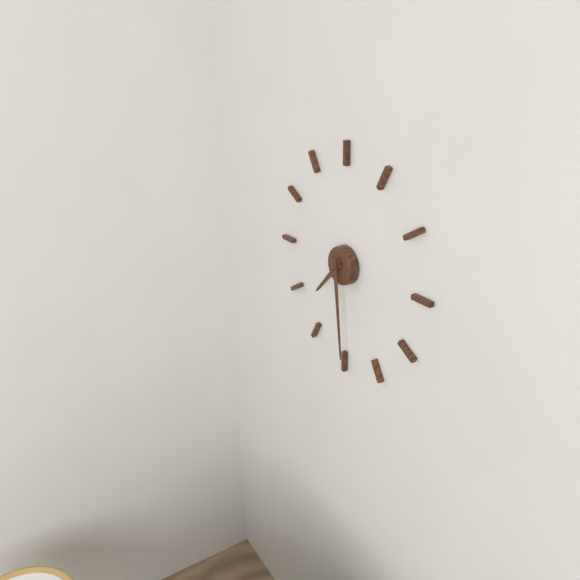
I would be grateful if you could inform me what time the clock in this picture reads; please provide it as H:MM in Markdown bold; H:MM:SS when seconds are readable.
**7:29**
